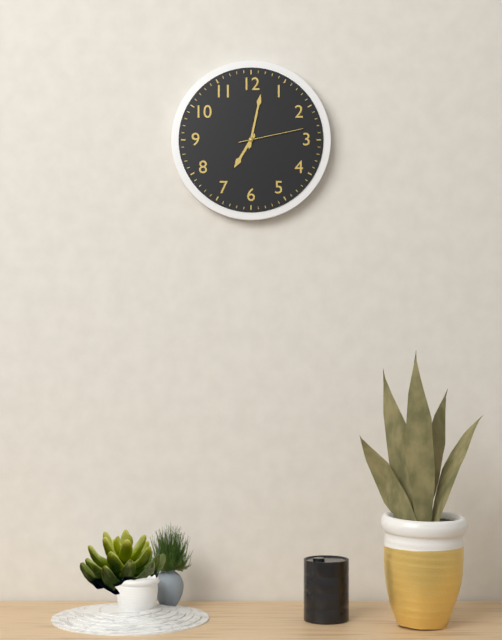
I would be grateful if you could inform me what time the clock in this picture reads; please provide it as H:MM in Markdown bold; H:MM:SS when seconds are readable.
**7:02:13**
